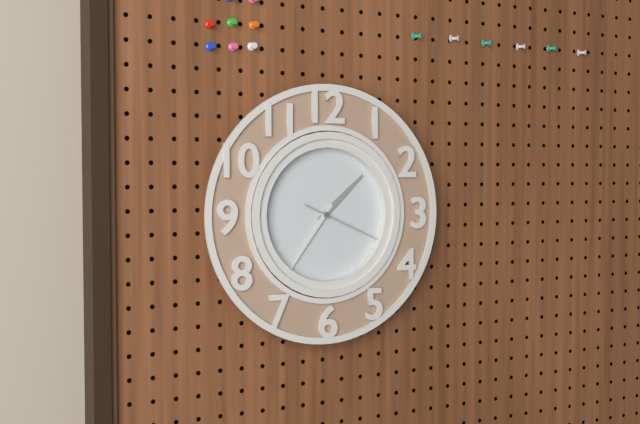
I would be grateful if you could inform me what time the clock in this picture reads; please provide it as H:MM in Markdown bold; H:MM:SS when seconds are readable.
**1:36:19**
